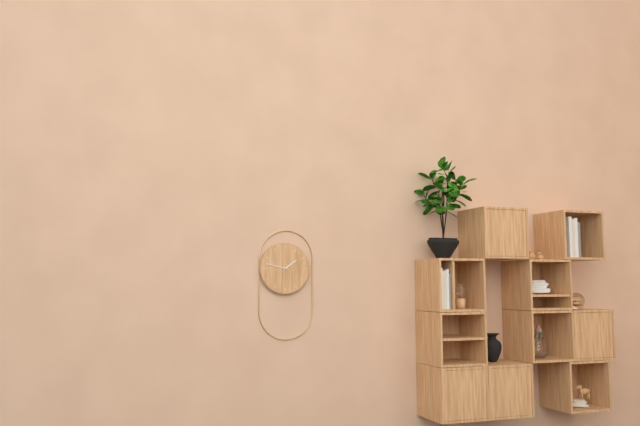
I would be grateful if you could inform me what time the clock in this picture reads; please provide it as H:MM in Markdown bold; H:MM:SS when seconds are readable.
**1:47**
